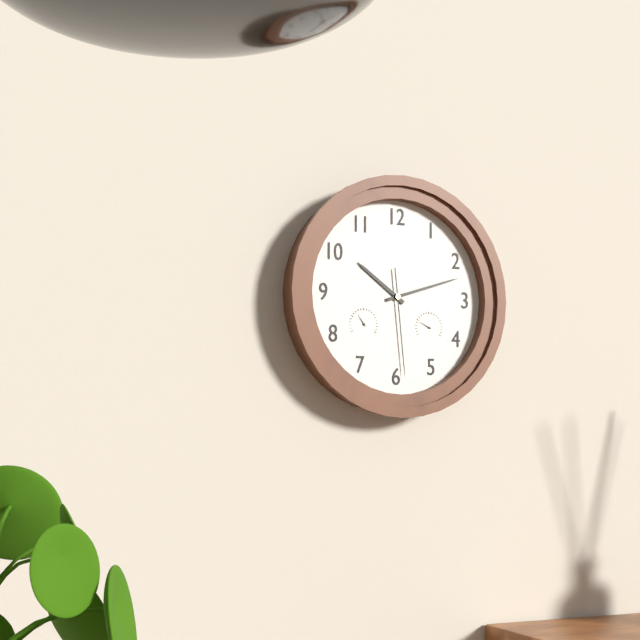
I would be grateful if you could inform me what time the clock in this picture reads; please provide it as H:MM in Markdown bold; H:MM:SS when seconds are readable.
**10:12:29**
